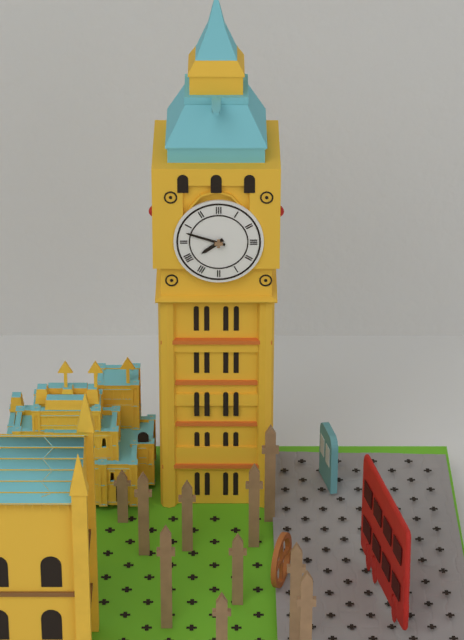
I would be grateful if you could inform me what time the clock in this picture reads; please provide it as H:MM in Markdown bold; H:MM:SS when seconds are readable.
**7:48**
